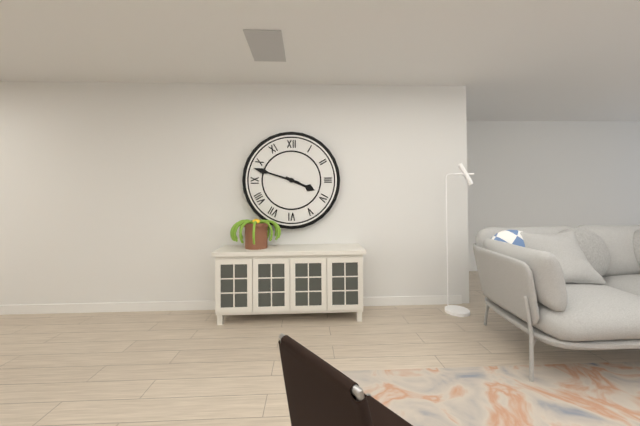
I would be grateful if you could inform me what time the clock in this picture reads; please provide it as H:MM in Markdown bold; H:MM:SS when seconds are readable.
**3:48**
